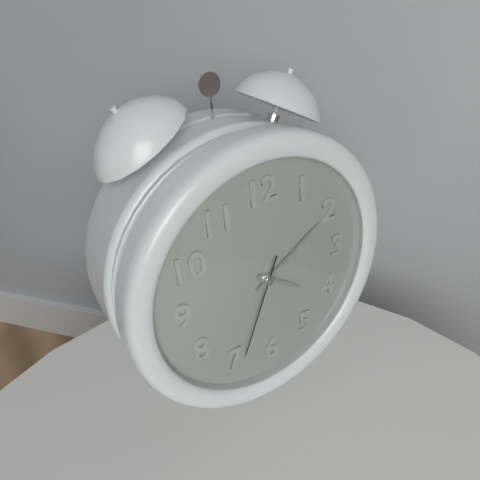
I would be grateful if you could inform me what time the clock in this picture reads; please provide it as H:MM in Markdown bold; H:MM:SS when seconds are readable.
**4:10:34**
